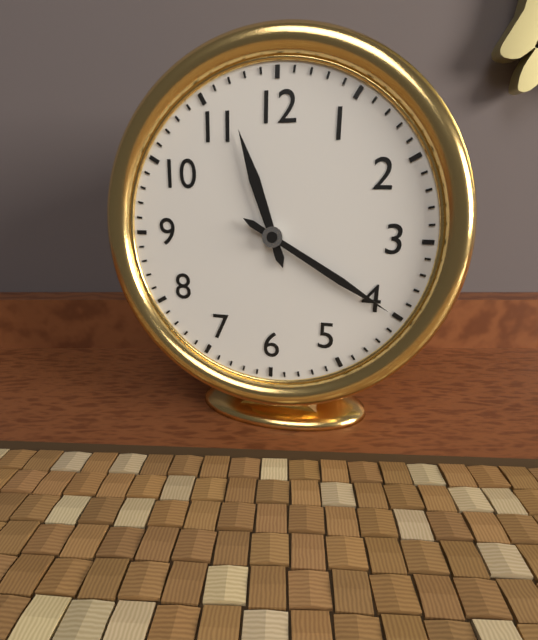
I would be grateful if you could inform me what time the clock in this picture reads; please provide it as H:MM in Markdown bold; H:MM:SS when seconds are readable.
**11:20**
